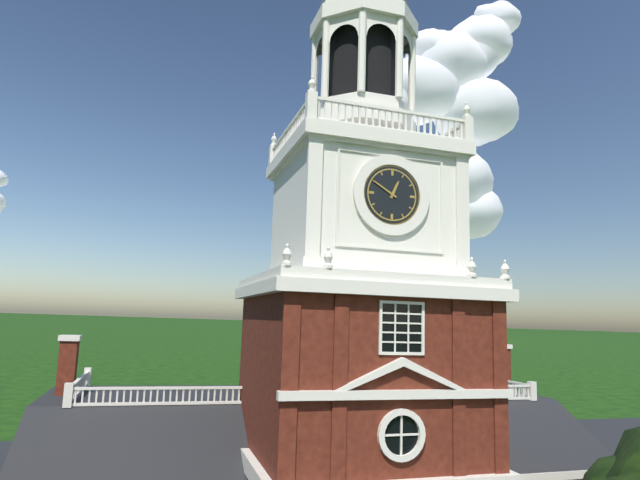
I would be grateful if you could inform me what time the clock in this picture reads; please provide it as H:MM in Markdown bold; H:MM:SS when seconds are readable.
**12:50**
